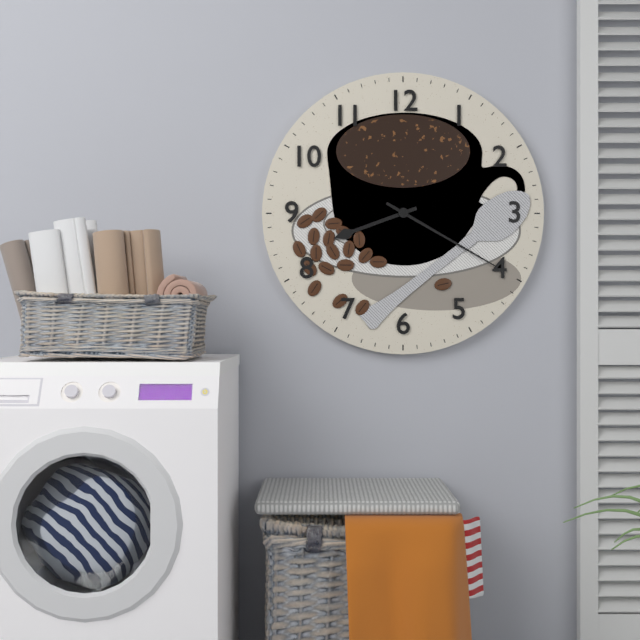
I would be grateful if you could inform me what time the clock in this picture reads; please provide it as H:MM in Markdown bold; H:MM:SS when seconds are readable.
**8:20**
